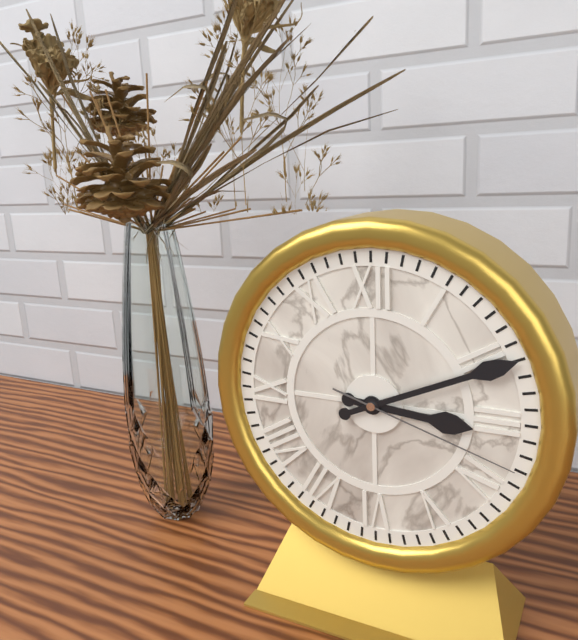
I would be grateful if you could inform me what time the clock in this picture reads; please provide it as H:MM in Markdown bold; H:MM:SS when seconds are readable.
**3:11:18**
